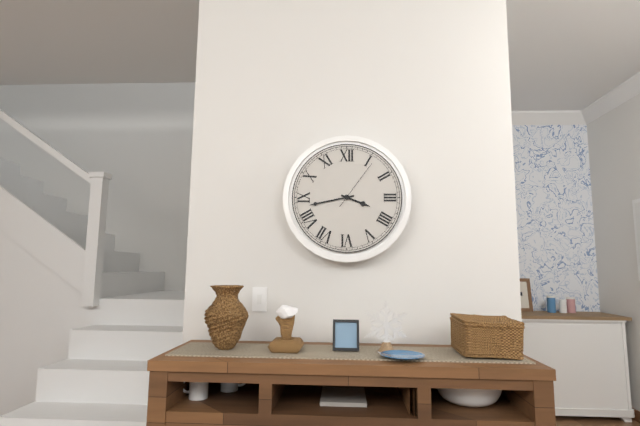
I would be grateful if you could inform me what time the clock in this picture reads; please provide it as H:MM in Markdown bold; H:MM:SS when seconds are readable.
**3:43:06**
